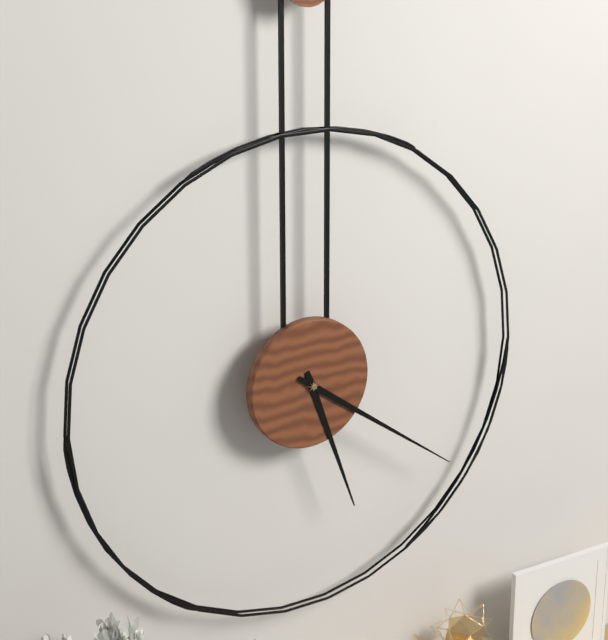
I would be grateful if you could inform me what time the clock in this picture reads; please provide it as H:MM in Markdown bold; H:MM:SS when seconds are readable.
**5:21**
